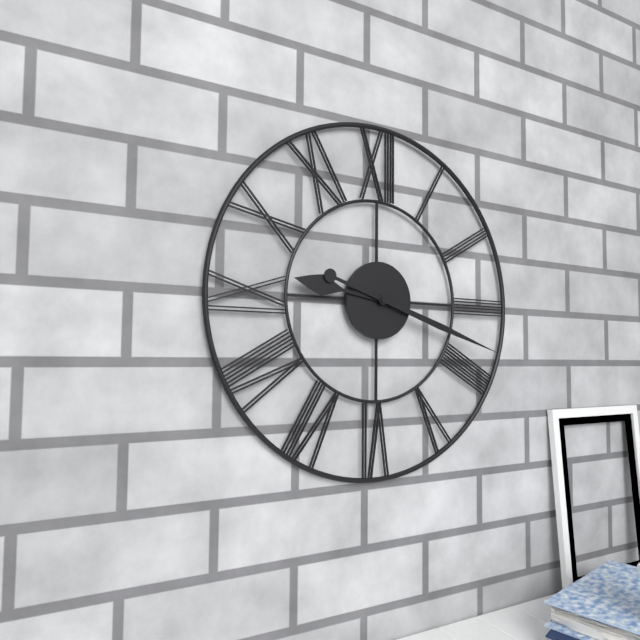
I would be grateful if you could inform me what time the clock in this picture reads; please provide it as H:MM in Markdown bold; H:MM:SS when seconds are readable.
**9:18**
